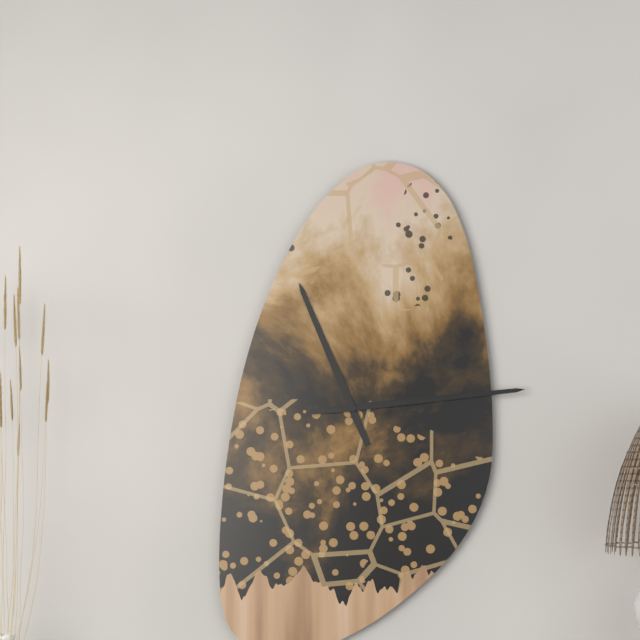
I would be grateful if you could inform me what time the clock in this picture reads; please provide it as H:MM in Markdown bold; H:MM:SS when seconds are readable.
**11:14**
